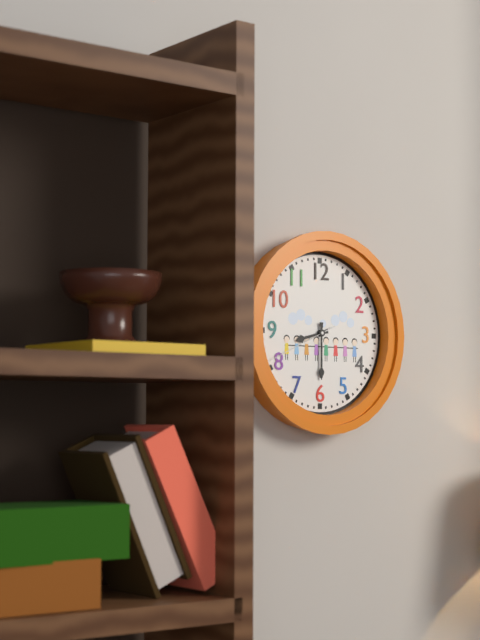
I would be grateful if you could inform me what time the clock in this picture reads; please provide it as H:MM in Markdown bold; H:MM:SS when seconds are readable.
**8:30:41**
